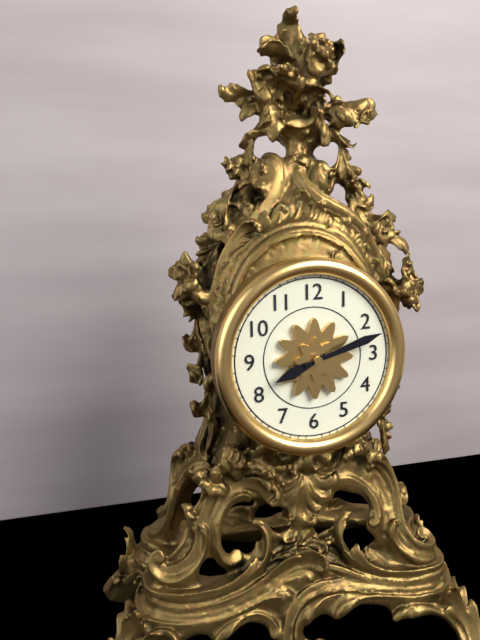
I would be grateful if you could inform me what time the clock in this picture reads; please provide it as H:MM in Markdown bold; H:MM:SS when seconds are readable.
**8:12**
